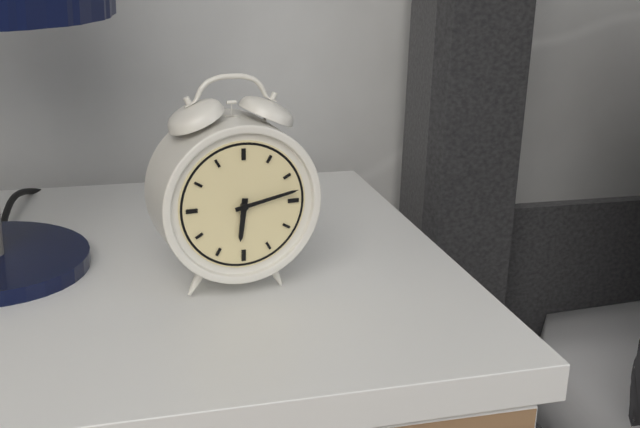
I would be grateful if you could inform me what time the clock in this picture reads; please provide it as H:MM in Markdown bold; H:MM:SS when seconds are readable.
**6:13**
